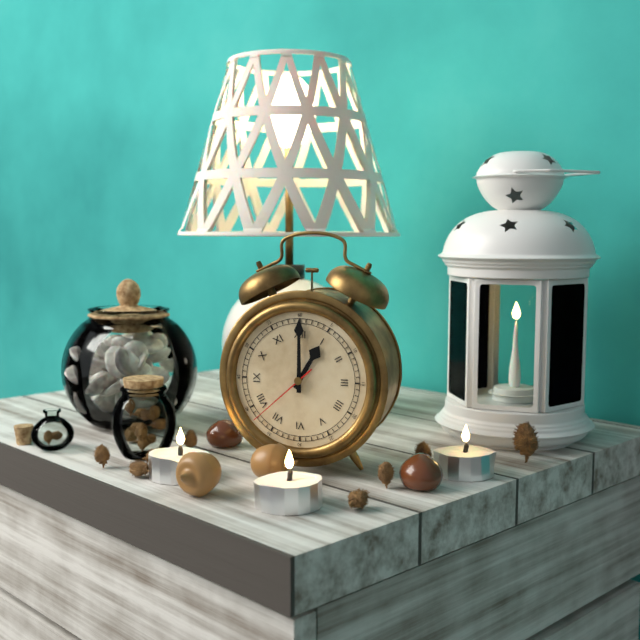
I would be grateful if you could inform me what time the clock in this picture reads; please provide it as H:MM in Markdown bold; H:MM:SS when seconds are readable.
**1:00:38**
